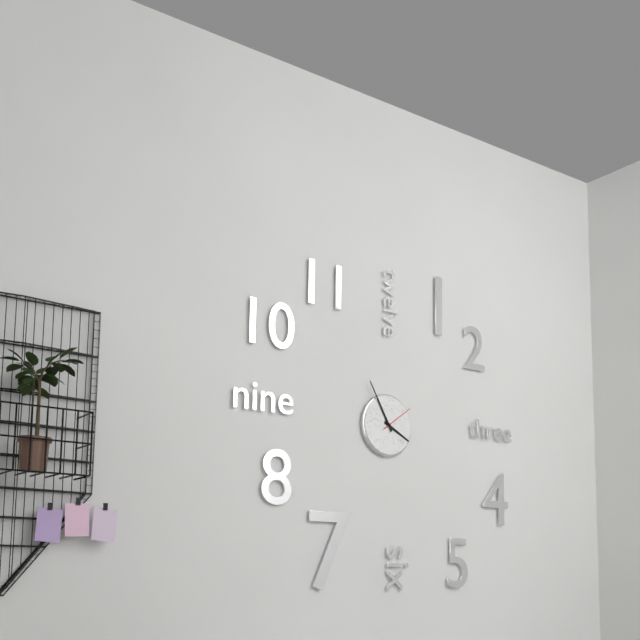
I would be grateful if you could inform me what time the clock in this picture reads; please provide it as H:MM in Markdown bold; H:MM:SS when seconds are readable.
**3:55**
